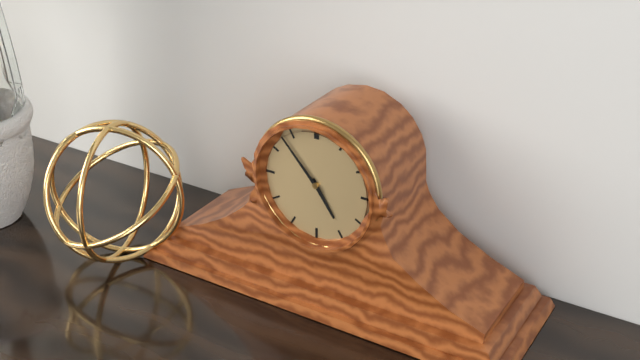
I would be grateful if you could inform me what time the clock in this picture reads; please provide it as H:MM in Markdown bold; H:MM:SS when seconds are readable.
**4:53**
